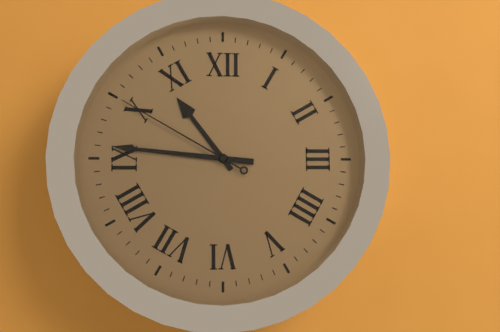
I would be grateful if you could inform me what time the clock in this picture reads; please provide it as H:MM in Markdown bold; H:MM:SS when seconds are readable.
**10:46:50**
